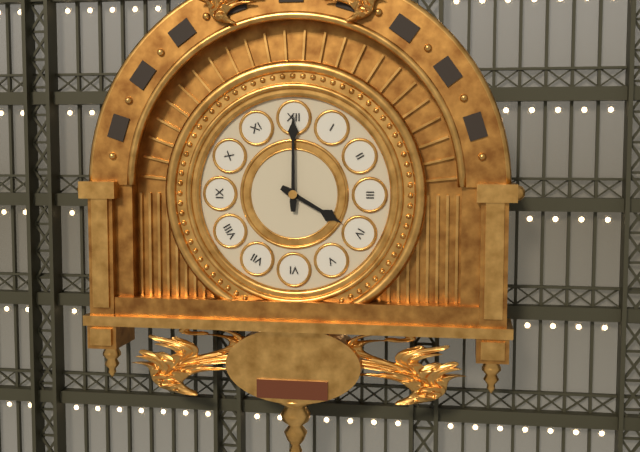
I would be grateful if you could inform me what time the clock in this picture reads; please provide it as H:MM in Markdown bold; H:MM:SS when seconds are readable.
**4:00**
